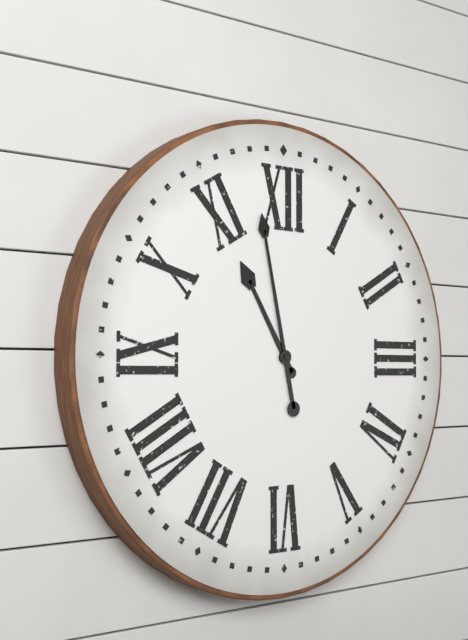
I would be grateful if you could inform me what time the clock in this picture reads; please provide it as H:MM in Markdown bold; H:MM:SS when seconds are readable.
**10:58**
